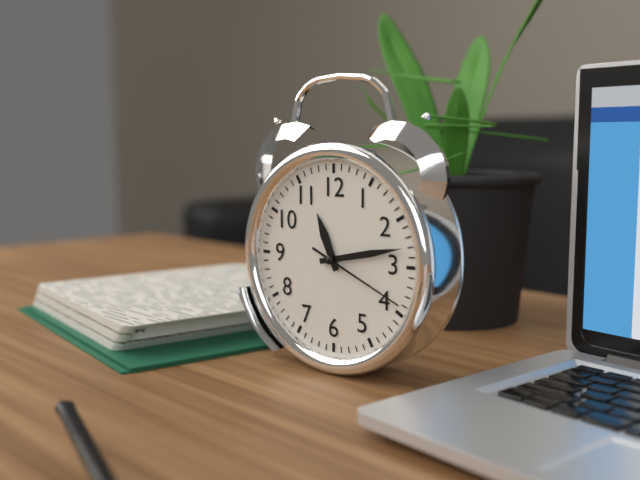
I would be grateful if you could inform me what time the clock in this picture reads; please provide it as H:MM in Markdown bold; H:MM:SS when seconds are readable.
**11:13:19**
